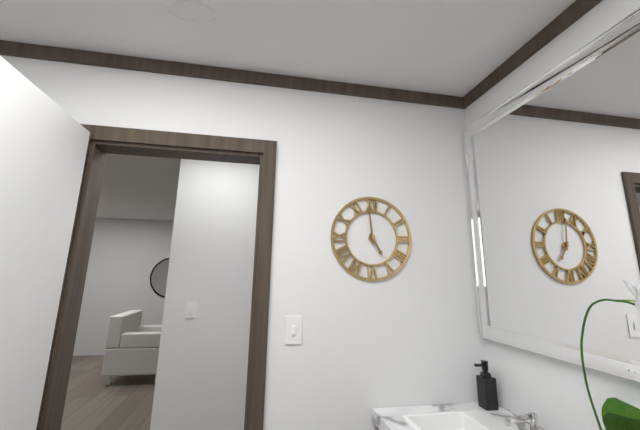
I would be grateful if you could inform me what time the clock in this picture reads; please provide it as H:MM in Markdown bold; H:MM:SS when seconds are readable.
**4:59**
